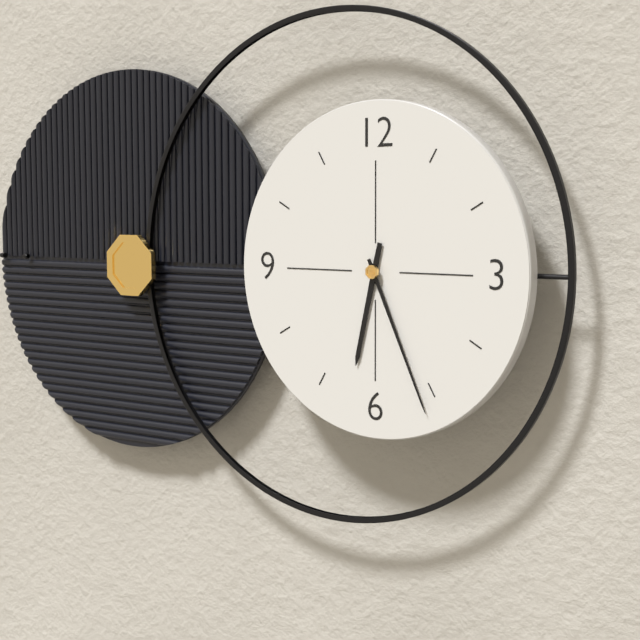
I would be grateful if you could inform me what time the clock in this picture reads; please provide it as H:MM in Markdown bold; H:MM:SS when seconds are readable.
**6:26**
